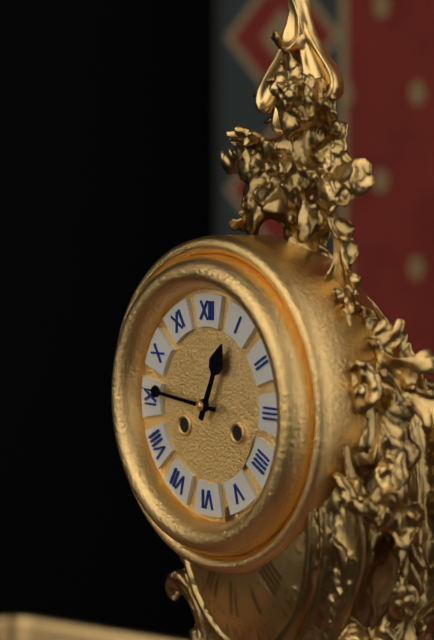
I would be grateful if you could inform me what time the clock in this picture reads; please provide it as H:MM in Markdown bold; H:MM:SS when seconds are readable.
**12:46**
